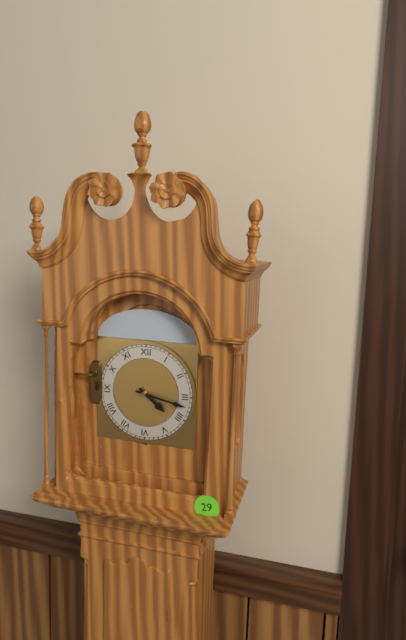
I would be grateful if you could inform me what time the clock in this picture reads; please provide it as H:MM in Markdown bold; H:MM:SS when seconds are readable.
**4:17**
